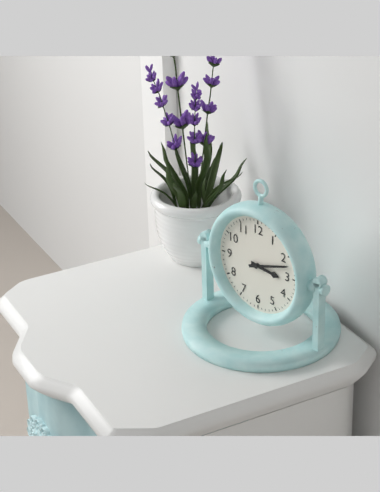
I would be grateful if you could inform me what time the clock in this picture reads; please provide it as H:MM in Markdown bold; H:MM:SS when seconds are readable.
**3:12**
